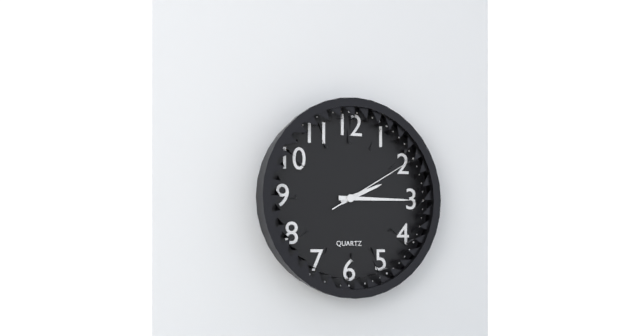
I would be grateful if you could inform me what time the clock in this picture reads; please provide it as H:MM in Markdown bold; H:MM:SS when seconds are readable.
**2:15:10**
